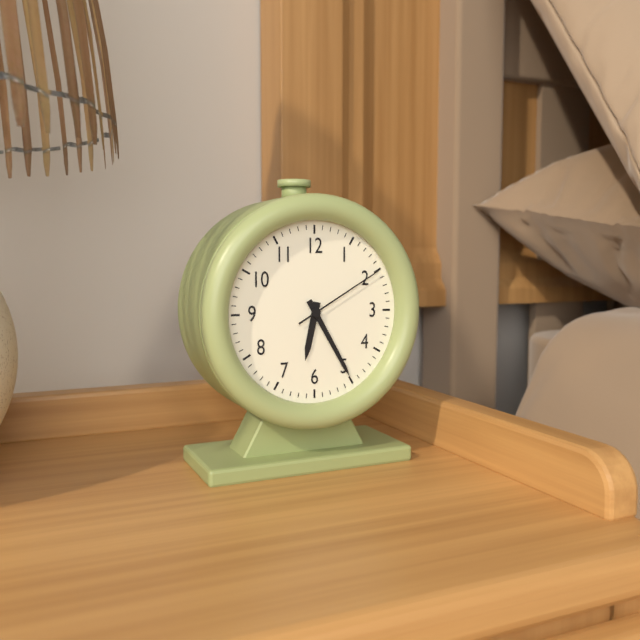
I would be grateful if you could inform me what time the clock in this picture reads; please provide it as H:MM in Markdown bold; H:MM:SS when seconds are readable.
**6:25:10**
